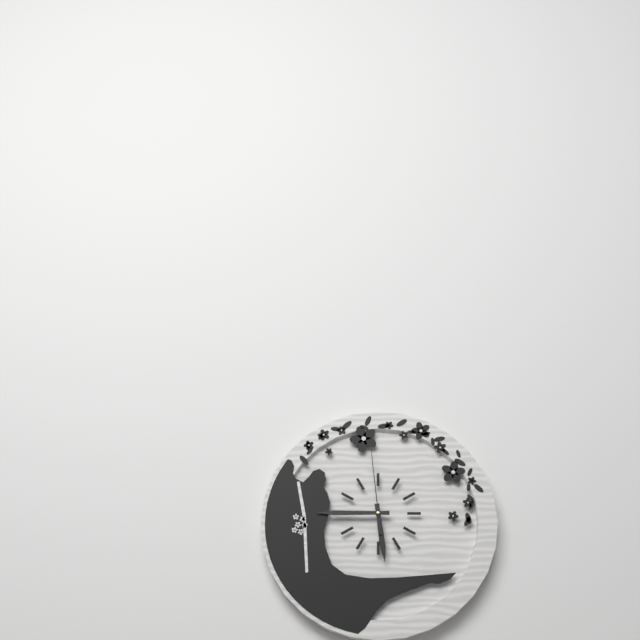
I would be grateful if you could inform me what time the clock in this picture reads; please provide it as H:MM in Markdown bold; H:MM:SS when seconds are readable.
**5:45:59**
